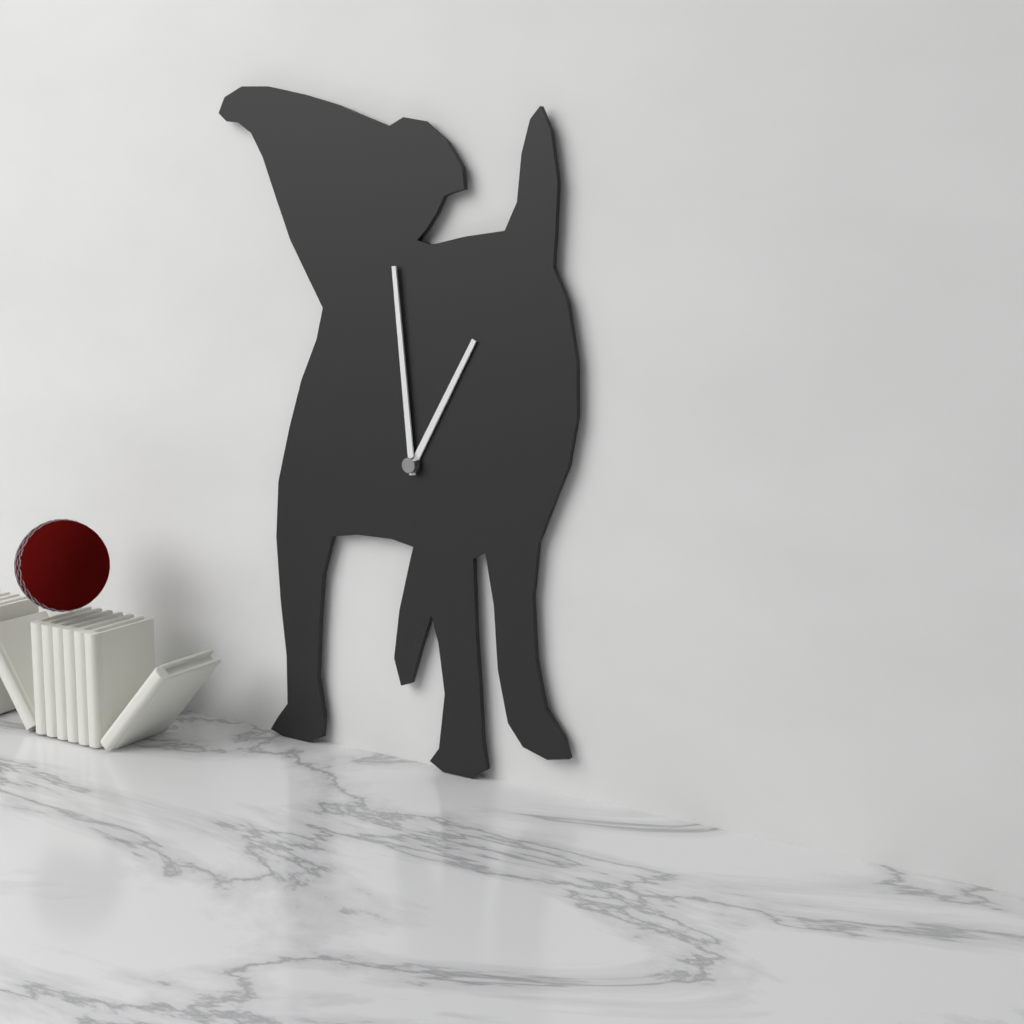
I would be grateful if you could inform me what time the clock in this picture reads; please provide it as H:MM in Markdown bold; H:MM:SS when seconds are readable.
**12:59**
